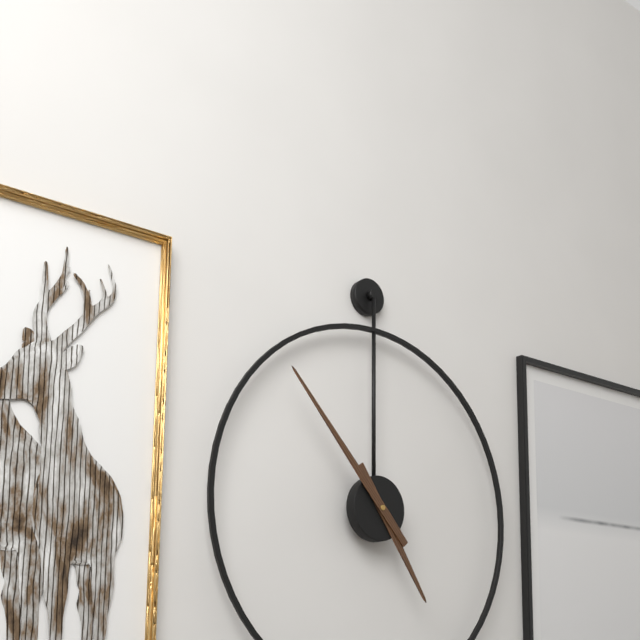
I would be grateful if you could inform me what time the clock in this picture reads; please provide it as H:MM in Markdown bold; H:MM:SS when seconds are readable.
**4:53**
